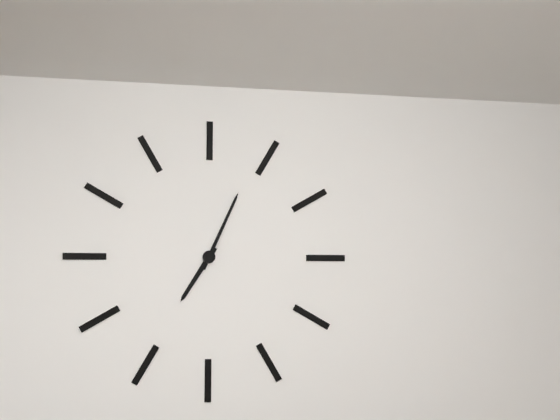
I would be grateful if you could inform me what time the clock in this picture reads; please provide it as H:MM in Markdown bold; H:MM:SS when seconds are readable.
**7:04**
